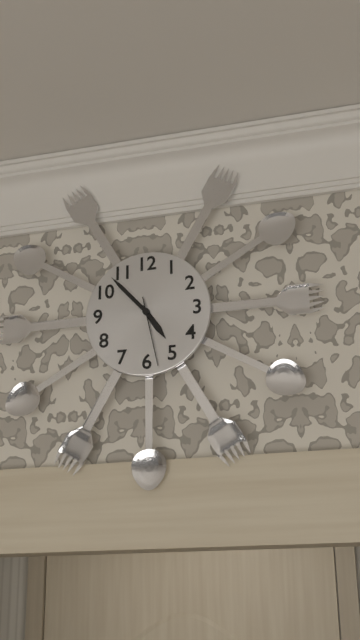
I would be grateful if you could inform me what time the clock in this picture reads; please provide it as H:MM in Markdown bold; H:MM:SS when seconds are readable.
**4:53:28**
